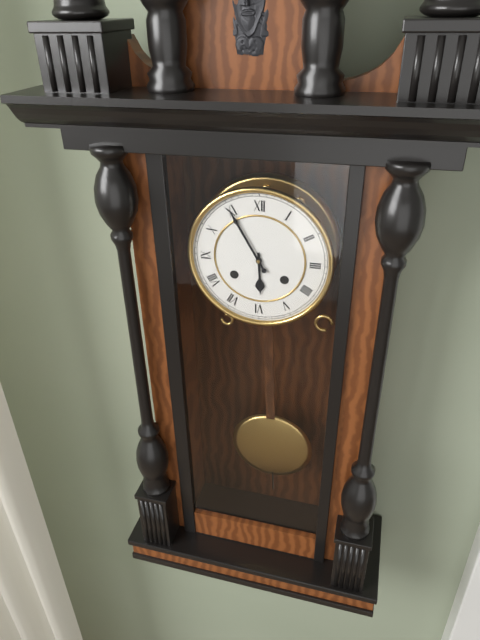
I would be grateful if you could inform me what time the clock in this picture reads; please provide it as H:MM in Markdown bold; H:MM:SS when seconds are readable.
**5:55**
